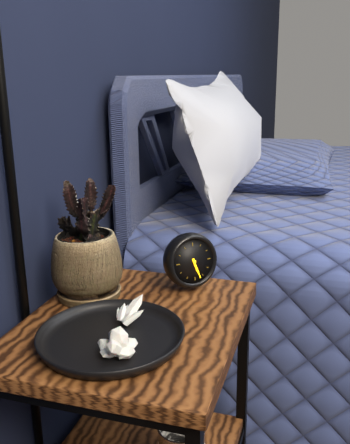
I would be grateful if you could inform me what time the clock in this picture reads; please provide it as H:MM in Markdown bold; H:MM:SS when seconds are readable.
**5:27**
